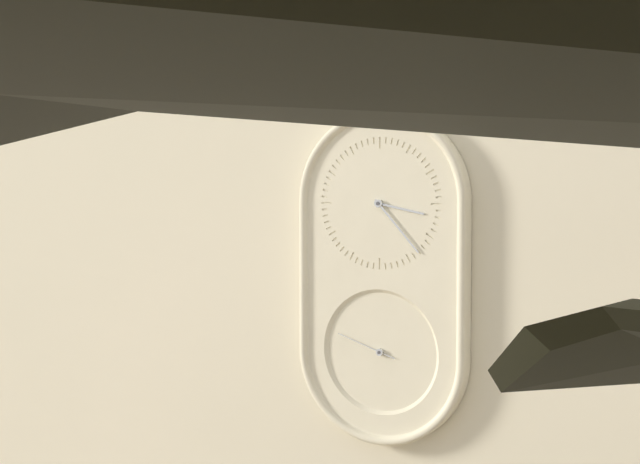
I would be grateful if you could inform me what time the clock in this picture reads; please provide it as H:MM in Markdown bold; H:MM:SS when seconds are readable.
**3:23:48**
